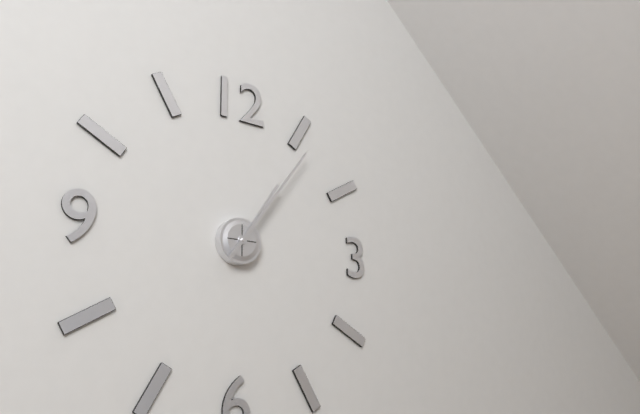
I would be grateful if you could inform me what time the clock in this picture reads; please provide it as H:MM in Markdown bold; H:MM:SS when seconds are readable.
**1:06**
